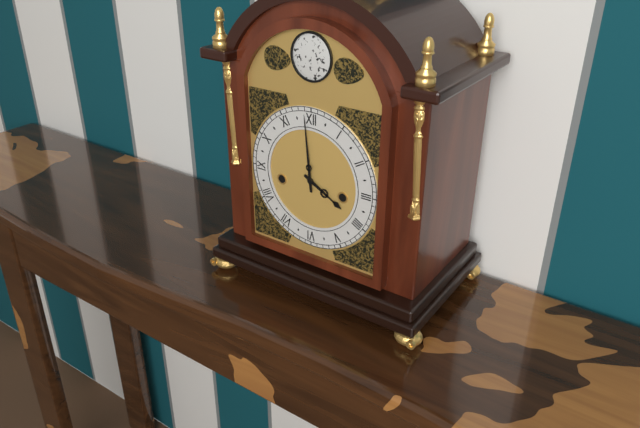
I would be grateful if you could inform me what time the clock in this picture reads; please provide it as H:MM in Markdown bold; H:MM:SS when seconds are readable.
**3:59**
